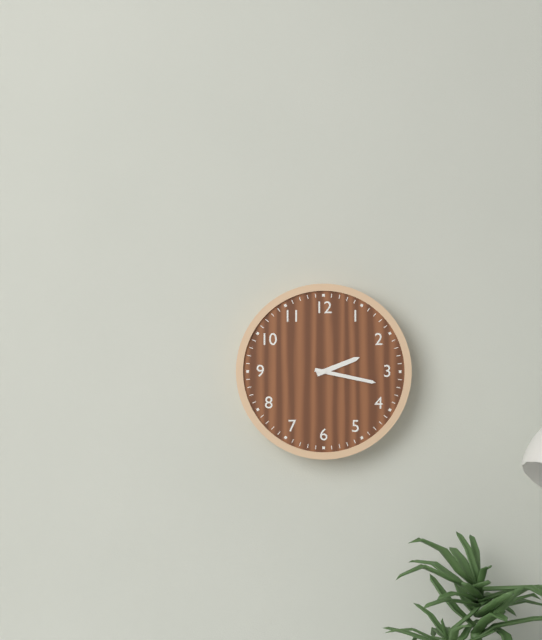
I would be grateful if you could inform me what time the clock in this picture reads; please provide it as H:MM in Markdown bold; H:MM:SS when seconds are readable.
**2:17**
